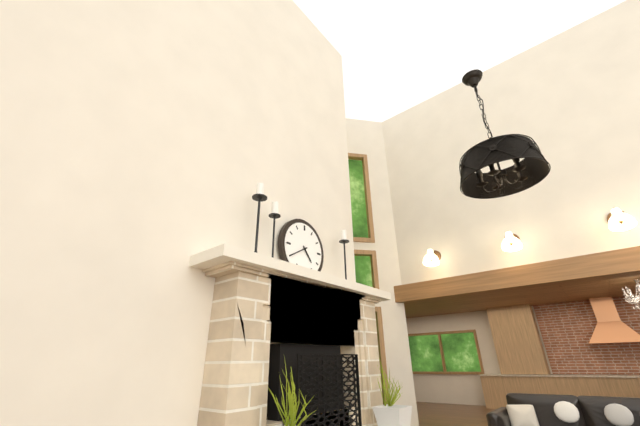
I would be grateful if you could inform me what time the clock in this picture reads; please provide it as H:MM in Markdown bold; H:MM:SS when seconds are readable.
**4:40**
